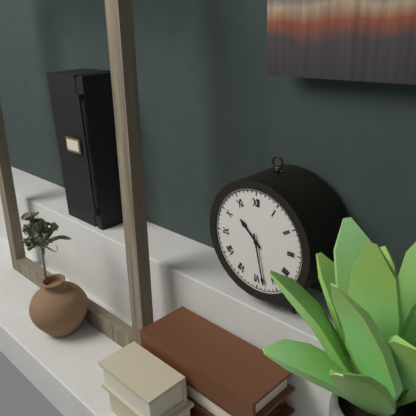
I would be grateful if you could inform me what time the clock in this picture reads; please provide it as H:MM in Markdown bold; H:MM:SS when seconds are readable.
**10:28**
